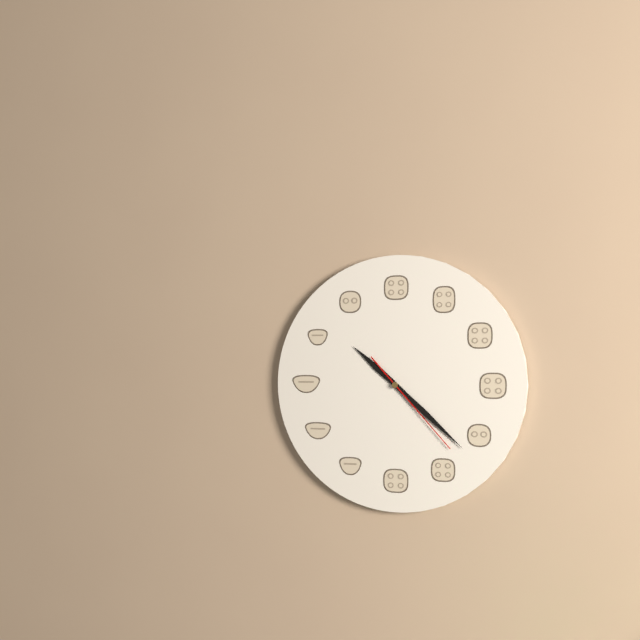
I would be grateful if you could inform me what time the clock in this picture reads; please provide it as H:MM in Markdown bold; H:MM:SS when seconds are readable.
**10:22:23**
